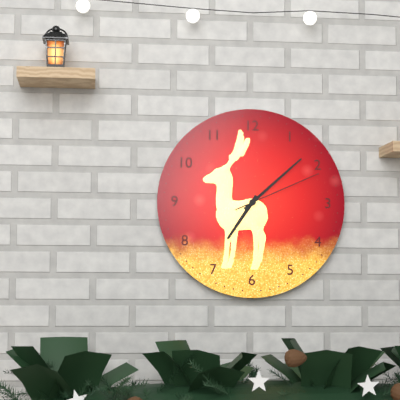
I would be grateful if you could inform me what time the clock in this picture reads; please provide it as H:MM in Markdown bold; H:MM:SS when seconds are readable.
**7:08:11**
